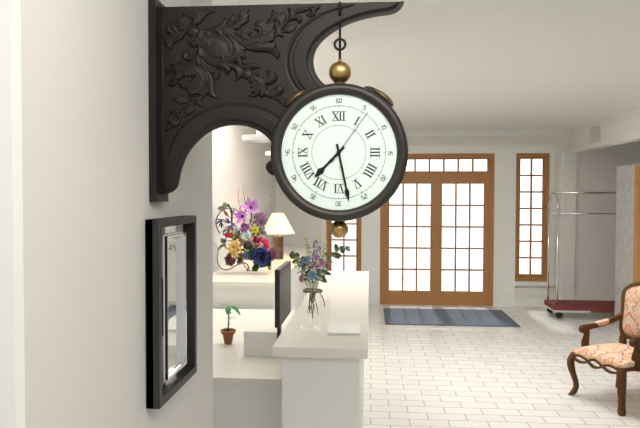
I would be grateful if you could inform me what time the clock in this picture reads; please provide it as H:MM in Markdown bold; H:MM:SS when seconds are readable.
**7:28:06**
